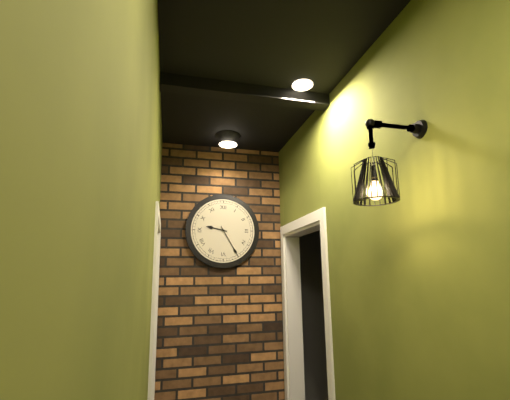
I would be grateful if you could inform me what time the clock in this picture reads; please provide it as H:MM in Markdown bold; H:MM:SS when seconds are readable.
**9:25**
